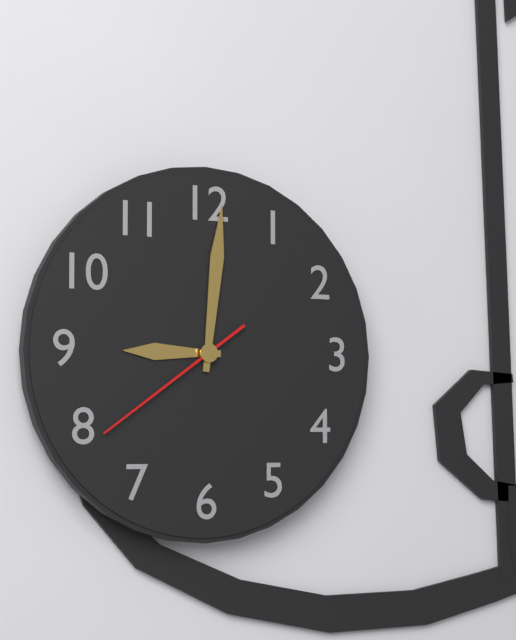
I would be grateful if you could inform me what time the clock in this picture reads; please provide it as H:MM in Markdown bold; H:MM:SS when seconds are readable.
**9:01:39**
